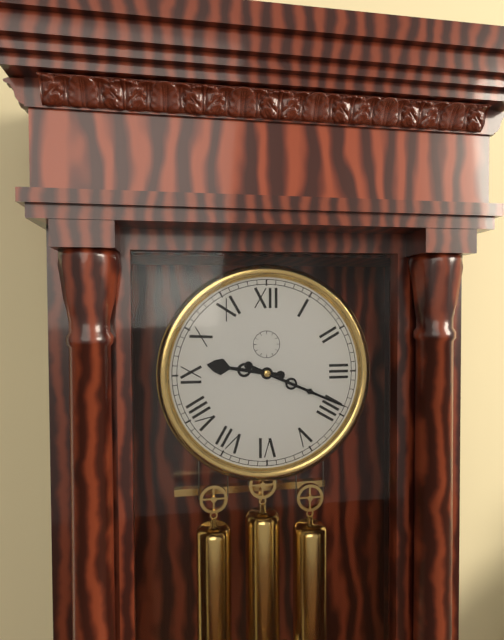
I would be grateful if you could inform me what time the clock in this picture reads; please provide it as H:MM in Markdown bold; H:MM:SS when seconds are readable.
**9:19**
